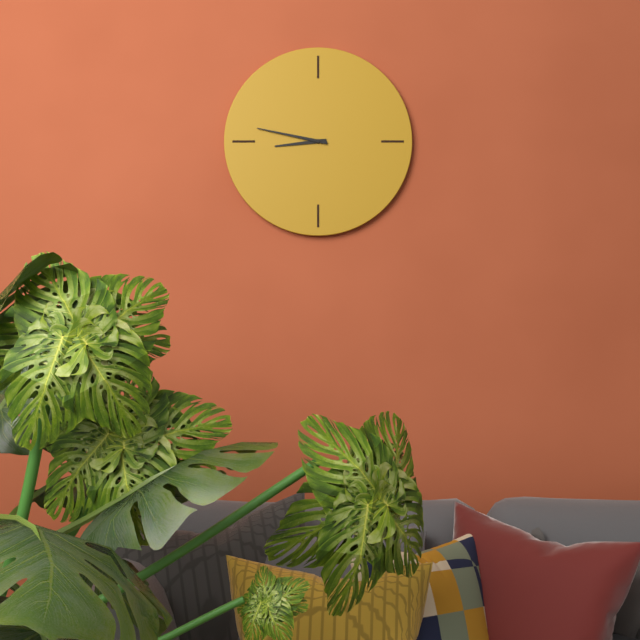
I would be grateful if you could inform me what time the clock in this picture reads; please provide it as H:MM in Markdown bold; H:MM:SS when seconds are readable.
**8:47**
